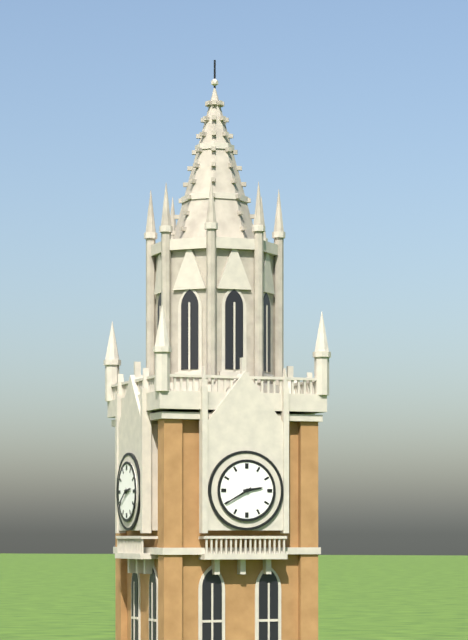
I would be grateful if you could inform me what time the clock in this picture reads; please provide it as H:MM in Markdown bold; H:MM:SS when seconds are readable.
**2:40**
